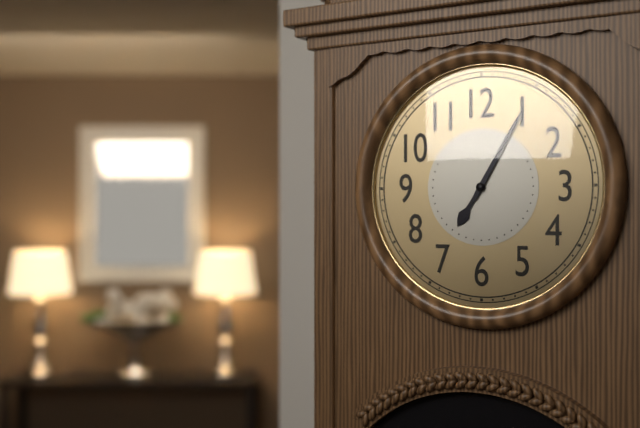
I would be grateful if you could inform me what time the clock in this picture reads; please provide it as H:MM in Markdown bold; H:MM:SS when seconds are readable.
**7:05**
